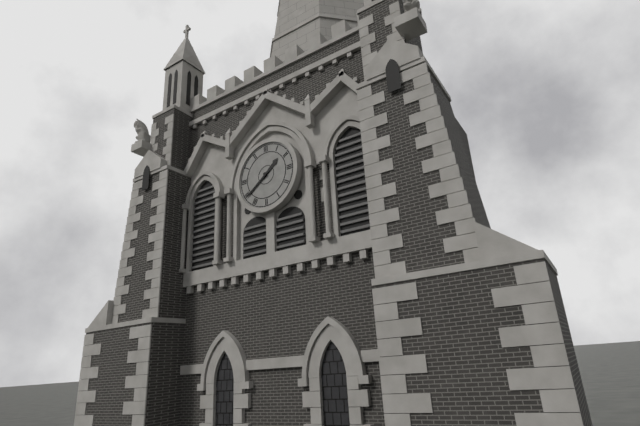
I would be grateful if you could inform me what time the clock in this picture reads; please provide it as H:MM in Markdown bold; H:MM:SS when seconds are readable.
**1:39**
